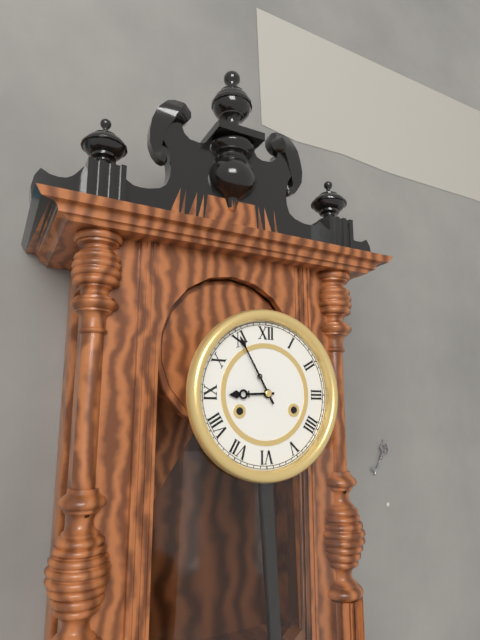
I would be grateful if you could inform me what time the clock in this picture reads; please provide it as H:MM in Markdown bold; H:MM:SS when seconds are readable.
**8:55**
